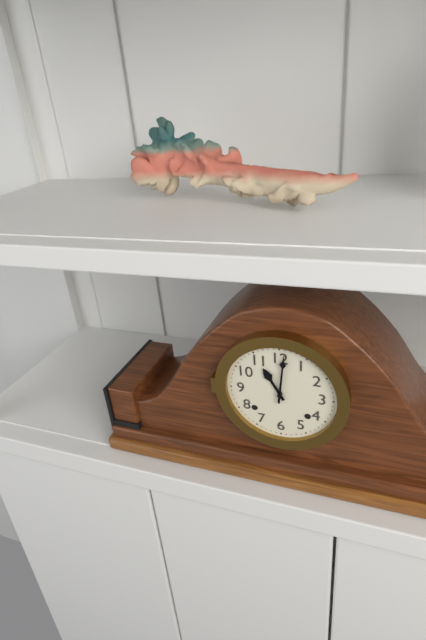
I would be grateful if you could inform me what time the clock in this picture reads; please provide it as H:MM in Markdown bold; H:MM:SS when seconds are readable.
**11:01**
